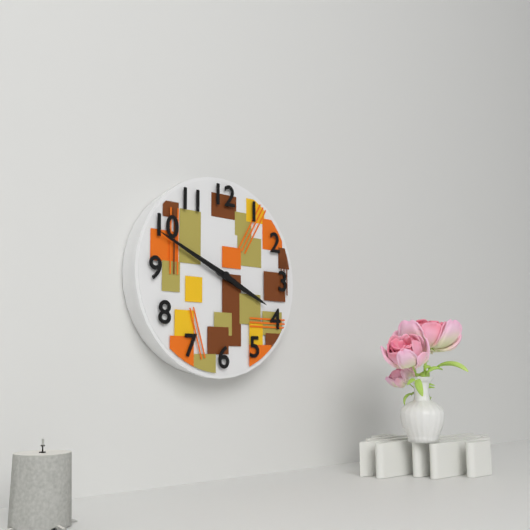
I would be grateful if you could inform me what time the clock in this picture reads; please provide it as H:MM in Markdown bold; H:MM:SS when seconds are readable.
**3:49**
